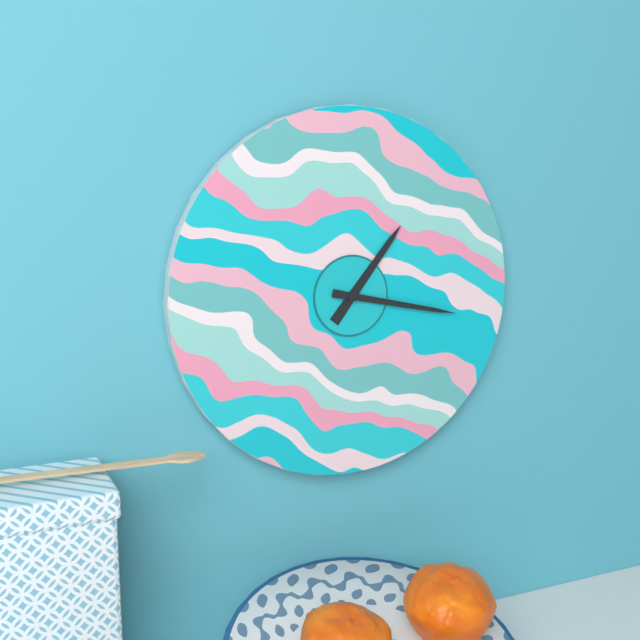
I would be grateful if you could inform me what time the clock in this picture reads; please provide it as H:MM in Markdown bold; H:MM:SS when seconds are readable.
**1:17**
